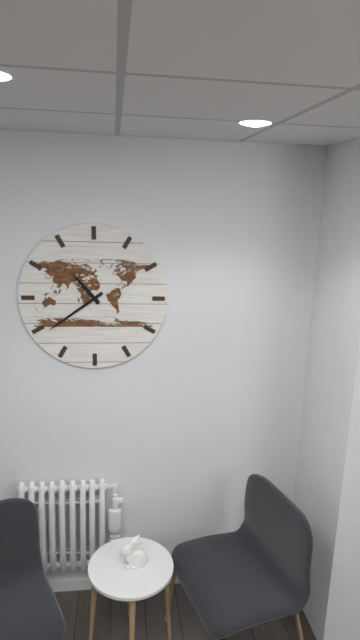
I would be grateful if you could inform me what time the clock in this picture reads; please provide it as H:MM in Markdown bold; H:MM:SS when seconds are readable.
**10:39**
